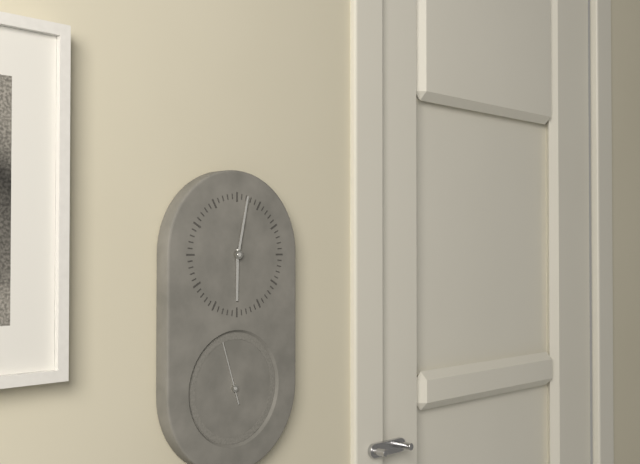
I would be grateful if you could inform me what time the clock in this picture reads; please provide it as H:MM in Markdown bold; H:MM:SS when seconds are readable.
**6:02:57**
